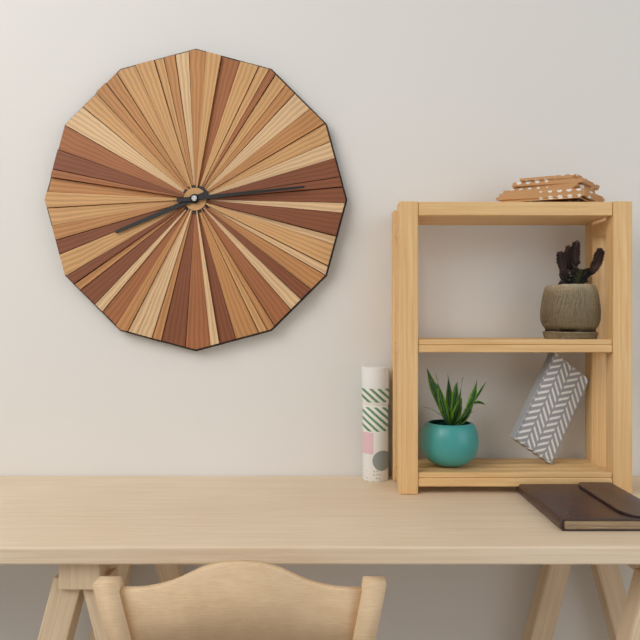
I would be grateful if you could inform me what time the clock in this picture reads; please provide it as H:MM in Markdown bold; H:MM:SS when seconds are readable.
**8:14**
